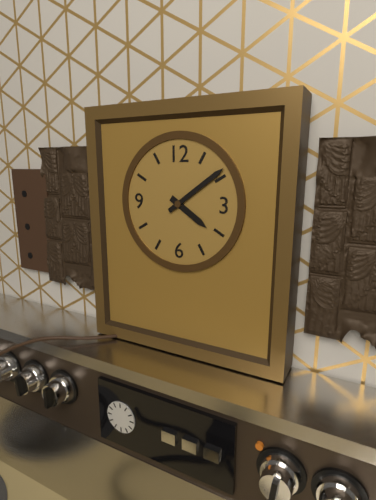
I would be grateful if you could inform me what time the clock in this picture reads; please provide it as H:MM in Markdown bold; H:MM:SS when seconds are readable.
**4:09**
